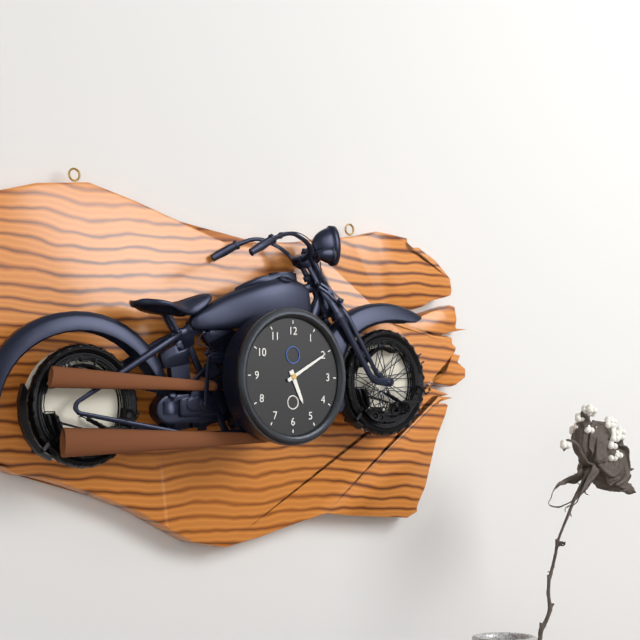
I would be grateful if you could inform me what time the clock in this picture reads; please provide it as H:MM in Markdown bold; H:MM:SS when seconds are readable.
**5:10**
